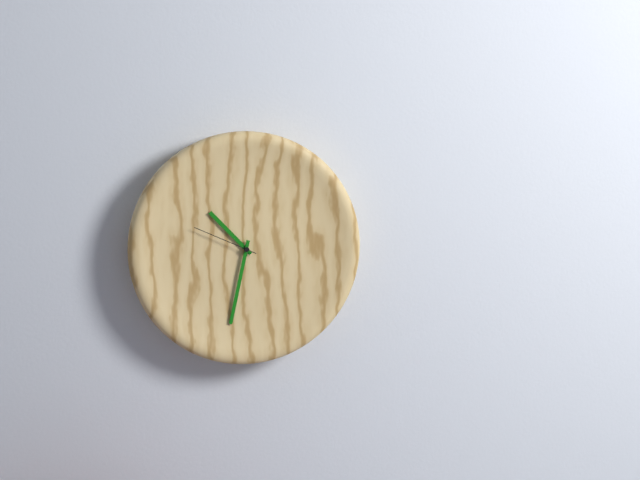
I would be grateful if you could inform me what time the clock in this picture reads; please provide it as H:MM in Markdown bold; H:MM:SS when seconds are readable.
**10:32:49**
